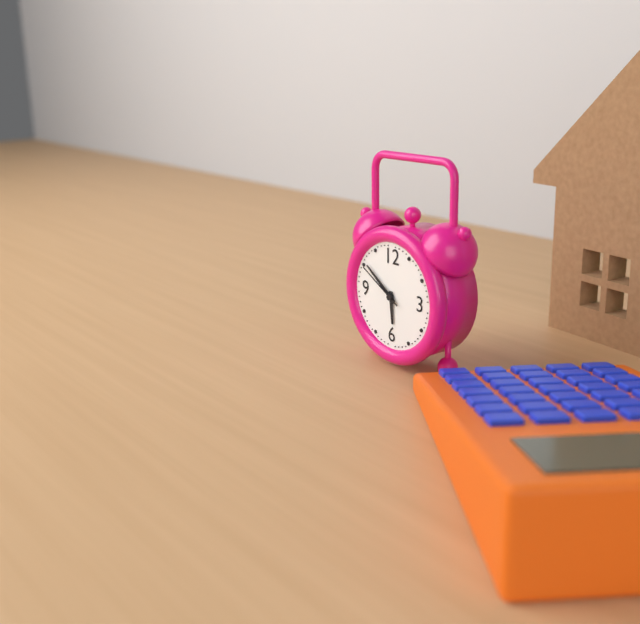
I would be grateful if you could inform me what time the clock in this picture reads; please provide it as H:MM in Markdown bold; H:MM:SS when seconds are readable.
**5:51:50**
